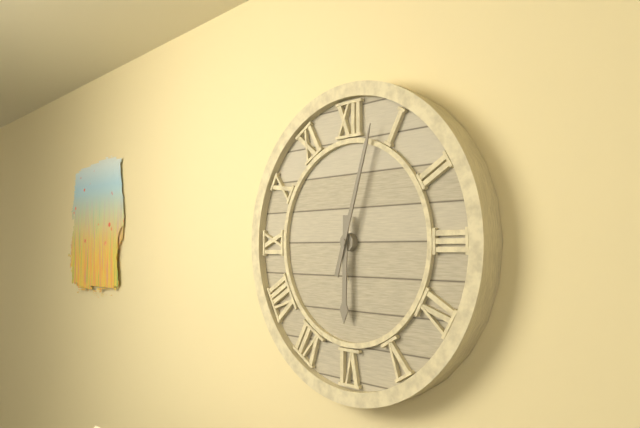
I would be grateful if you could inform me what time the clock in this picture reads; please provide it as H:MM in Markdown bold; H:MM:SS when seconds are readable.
**6:03**
